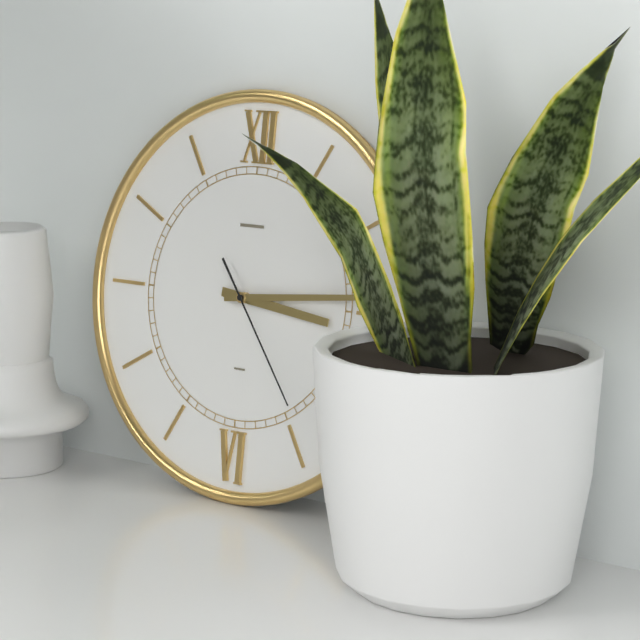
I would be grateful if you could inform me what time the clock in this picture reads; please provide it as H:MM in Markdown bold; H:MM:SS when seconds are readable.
**3:14:24**
